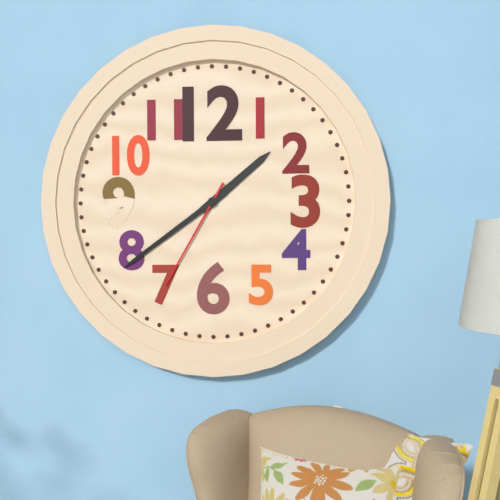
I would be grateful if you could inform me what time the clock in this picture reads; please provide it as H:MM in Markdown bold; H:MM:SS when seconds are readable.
**1:39:35**
